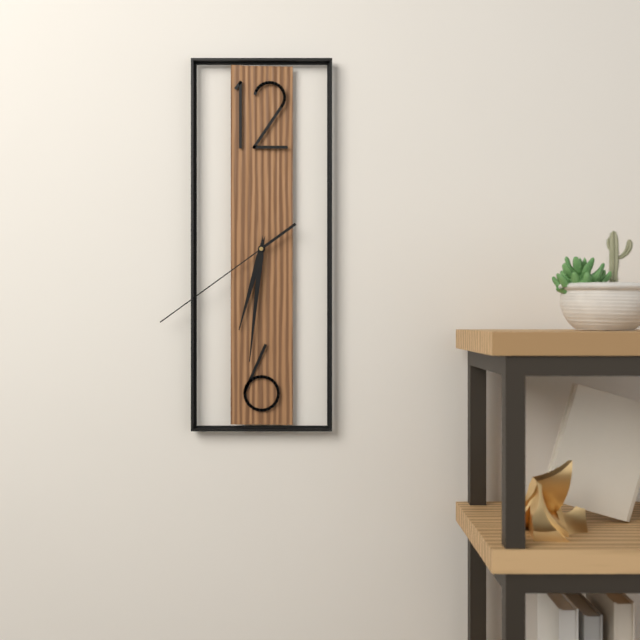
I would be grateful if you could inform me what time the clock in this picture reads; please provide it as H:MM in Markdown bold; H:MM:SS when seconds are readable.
**6:31:39**
